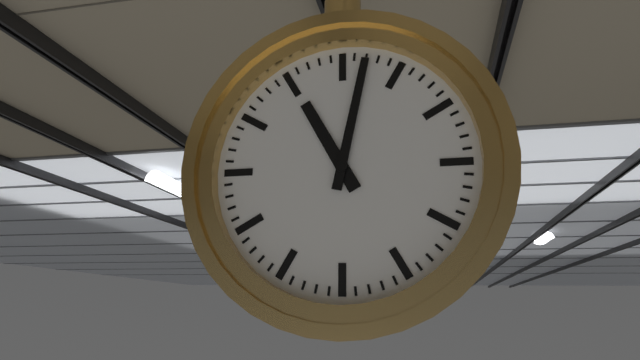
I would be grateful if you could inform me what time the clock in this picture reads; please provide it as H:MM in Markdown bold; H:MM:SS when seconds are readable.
**11:02**
